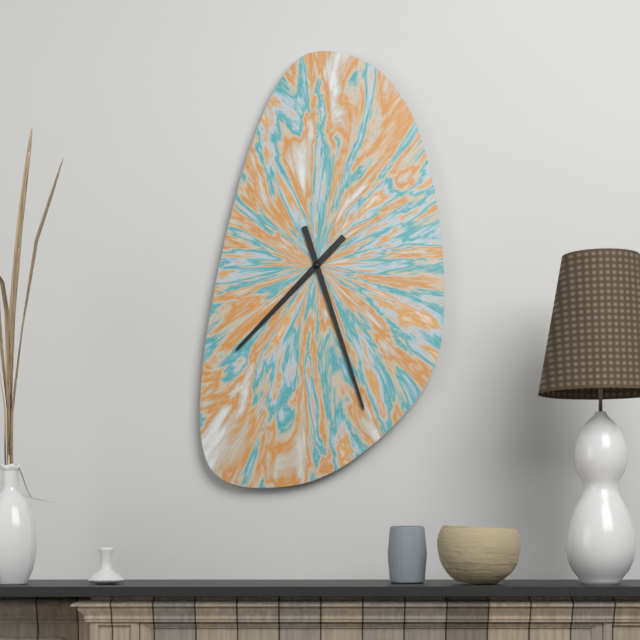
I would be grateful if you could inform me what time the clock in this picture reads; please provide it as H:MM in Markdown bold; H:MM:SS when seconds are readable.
**7:27**
